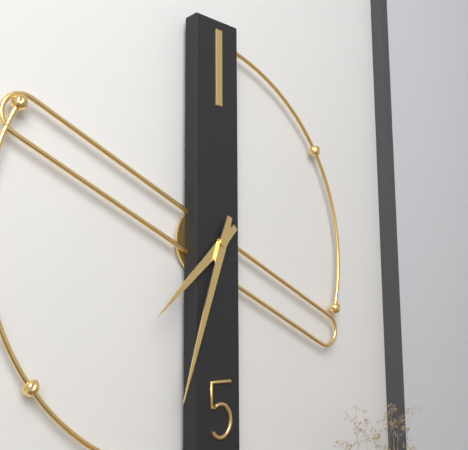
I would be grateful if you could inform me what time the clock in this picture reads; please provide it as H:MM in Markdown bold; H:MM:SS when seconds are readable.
**7:33**
